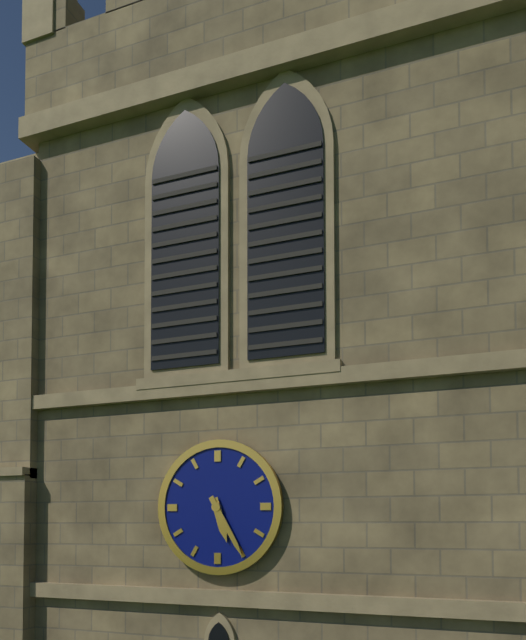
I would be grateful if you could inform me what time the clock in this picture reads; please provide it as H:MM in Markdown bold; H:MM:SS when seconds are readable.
**5:25**
